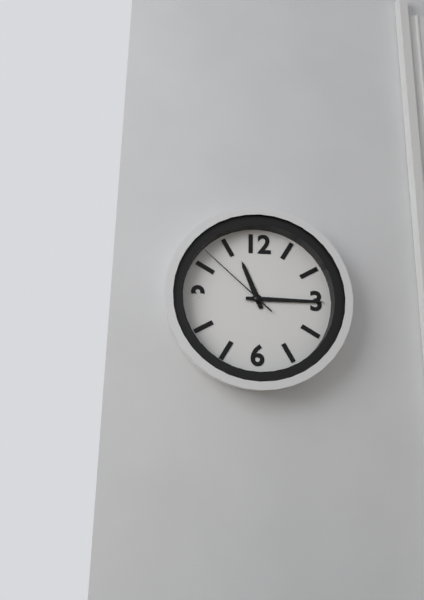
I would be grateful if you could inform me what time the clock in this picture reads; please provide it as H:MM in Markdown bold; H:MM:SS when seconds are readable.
**11:15:52**
